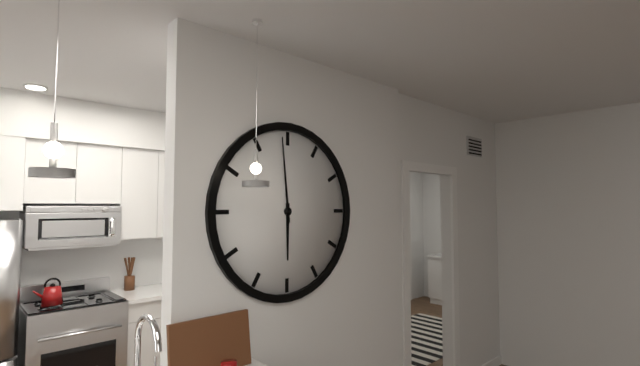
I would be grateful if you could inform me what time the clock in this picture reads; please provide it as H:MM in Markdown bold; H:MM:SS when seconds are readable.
**5:59**
